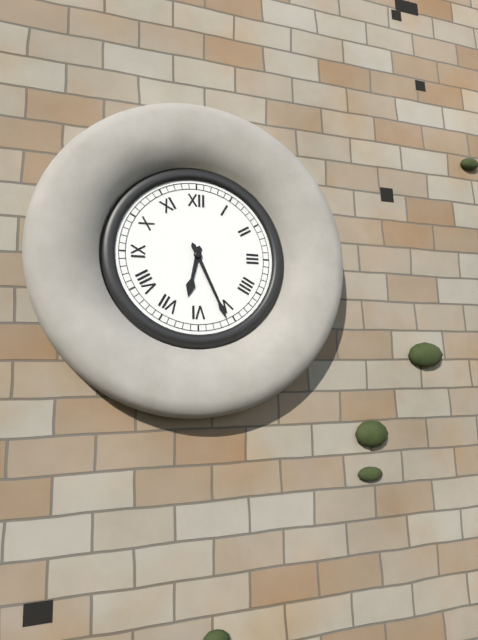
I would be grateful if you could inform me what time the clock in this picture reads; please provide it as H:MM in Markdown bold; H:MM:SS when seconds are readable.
**6:26**
